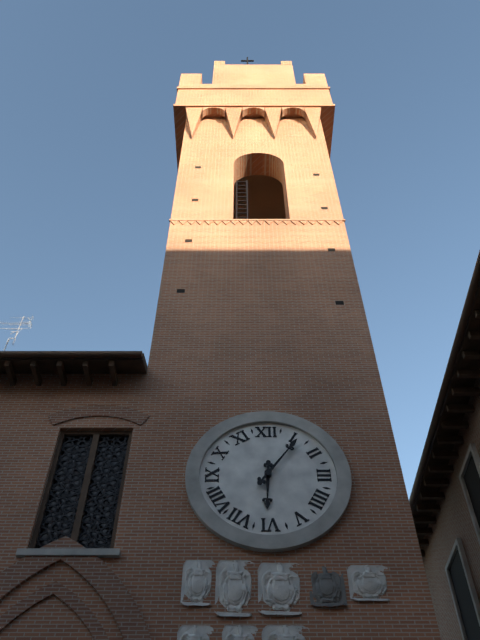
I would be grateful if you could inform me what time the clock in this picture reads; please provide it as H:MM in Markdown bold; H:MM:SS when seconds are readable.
**6:06**
